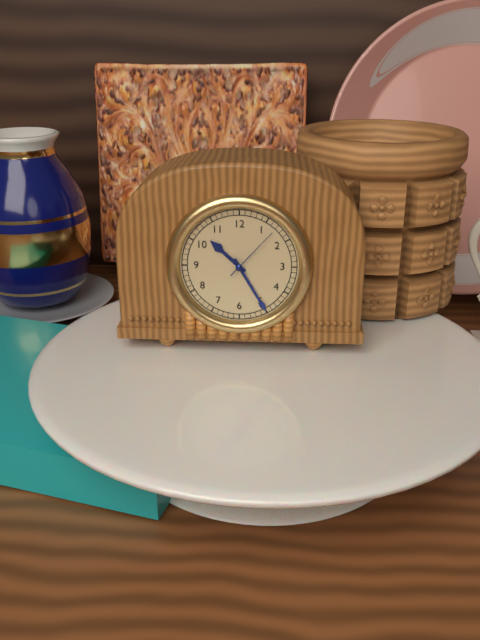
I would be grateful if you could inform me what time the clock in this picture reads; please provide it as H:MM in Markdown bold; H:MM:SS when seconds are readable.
**10:25:07**
